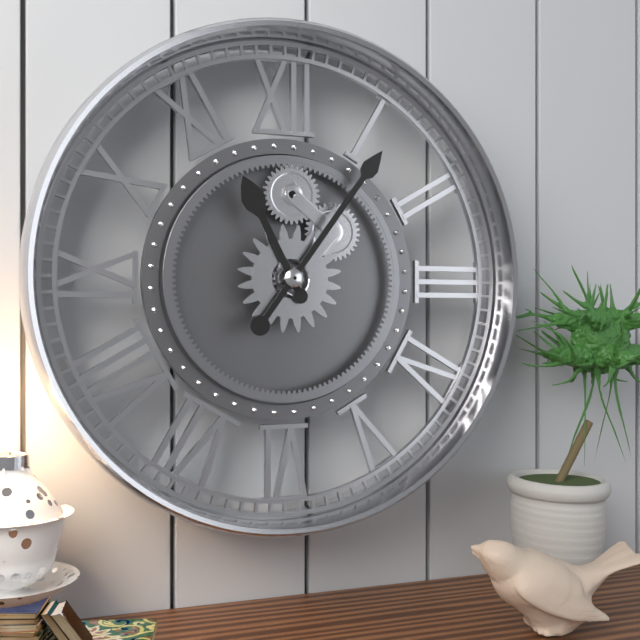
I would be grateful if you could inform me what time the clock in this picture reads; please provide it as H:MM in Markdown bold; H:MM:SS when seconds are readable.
**11:06**
